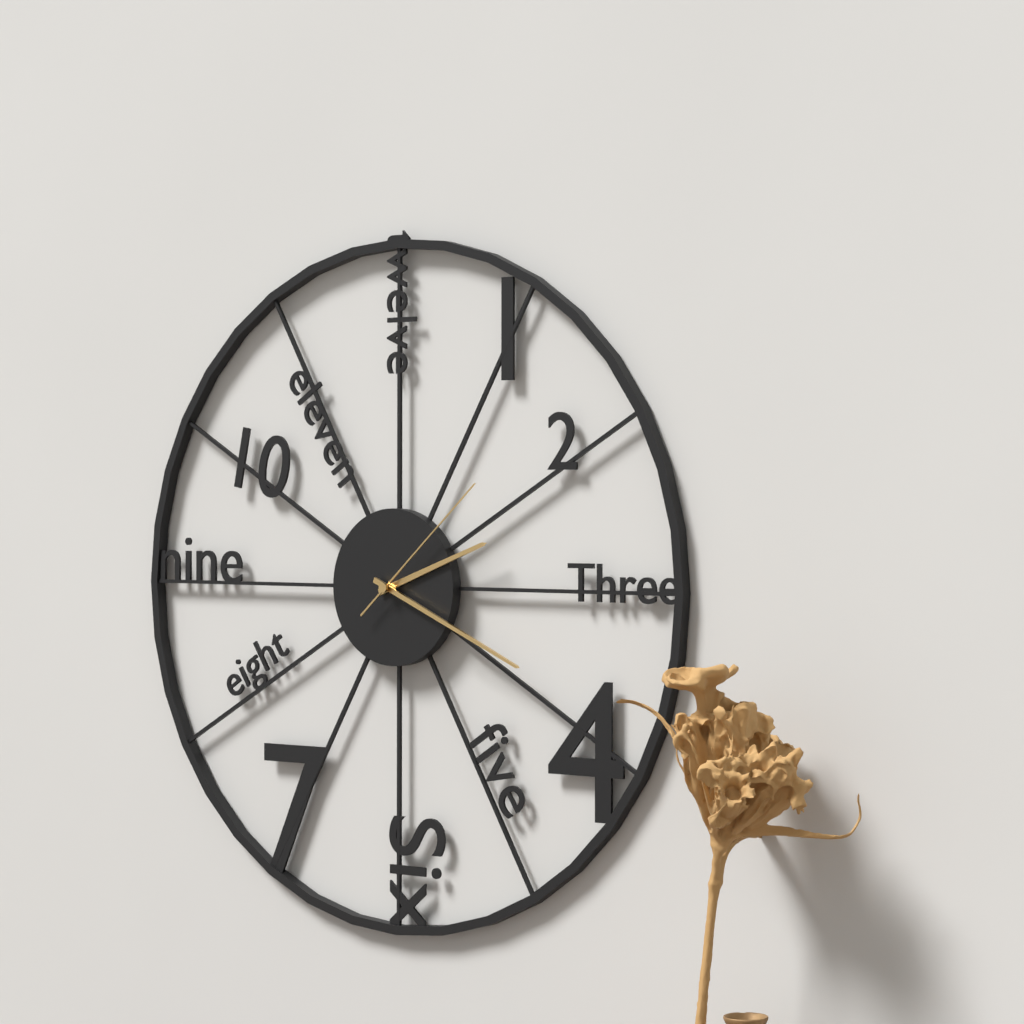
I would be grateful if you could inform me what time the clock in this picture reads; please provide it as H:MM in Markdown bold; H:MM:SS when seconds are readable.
**2:19:08**
